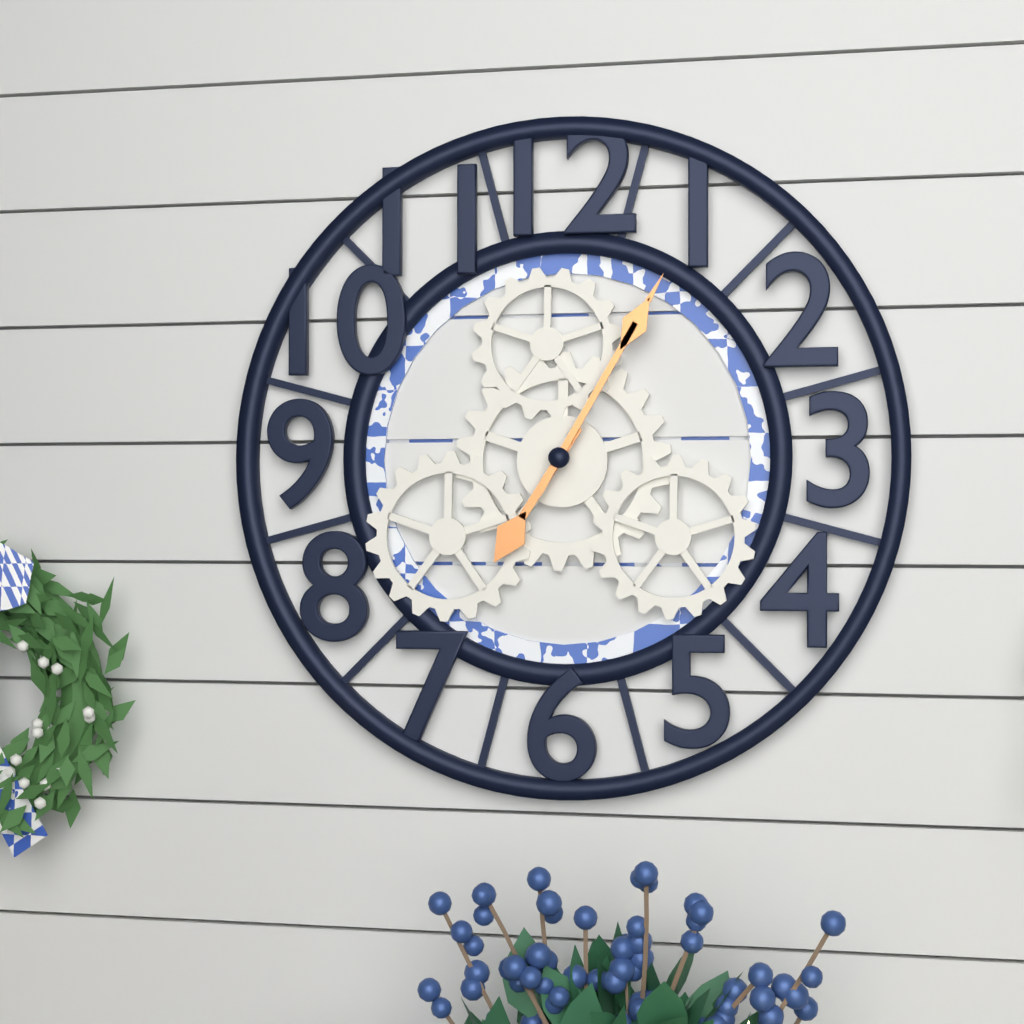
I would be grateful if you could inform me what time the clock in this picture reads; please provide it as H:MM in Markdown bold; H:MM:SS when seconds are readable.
**7:05**
